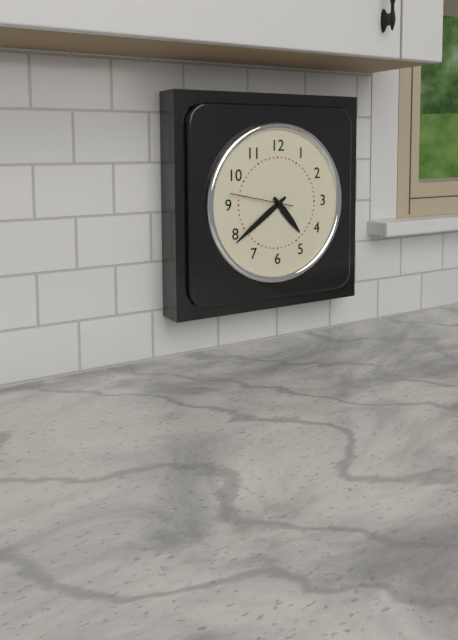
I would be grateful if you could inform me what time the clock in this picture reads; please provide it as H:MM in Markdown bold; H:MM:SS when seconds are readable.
**4:39:47**
